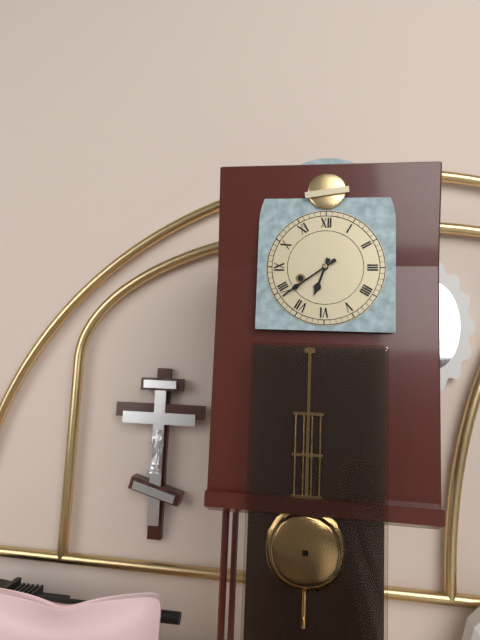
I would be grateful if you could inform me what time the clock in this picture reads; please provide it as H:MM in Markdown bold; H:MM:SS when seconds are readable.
**6:39**
